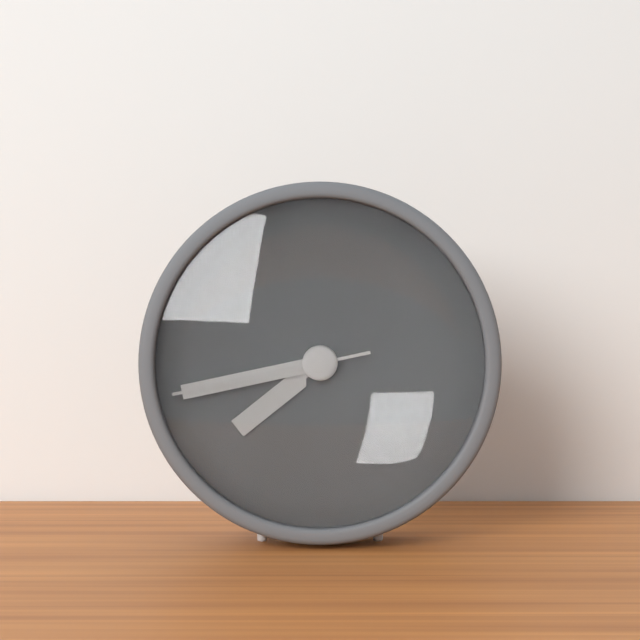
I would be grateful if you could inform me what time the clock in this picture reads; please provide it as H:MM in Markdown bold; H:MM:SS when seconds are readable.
**7:43:43**
